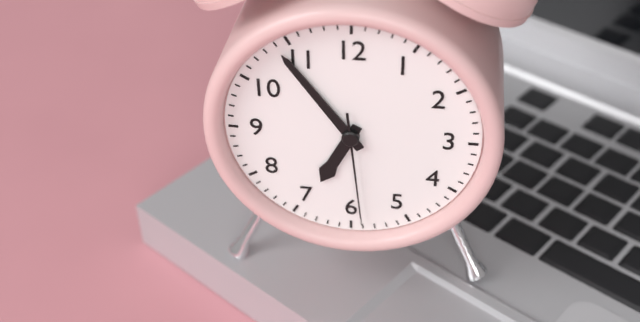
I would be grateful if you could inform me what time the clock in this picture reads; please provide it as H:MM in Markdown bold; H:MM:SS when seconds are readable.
**6:54:29**
